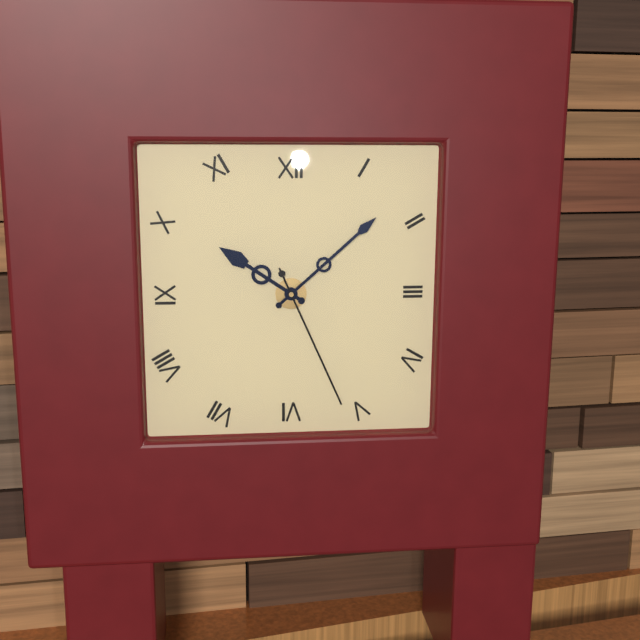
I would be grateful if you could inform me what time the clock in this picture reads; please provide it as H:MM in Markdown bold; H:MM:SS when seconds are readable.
**10:08:26**
